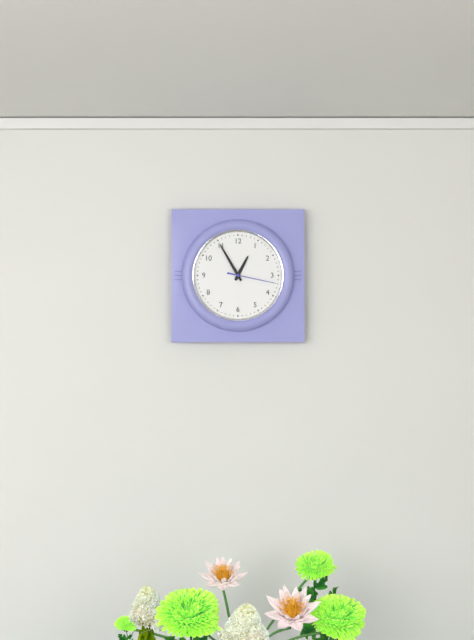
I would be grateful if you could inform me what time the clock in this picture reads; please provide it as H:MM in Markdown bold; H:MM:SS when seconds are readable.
**12:55**
